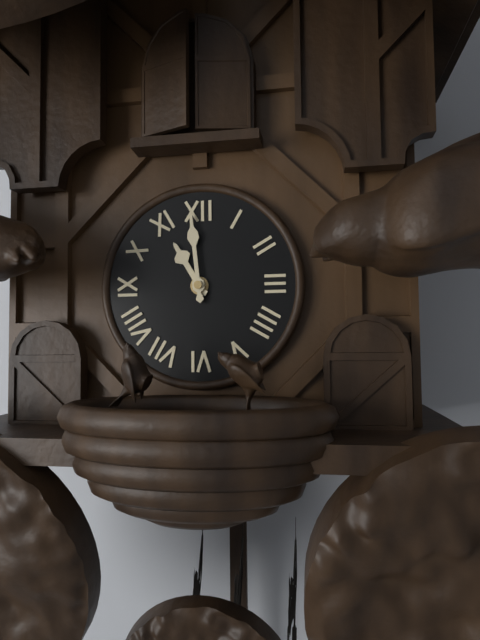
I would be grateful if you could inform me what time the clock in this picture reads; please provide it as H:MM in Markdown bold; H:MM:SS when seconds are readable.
**10:59**
